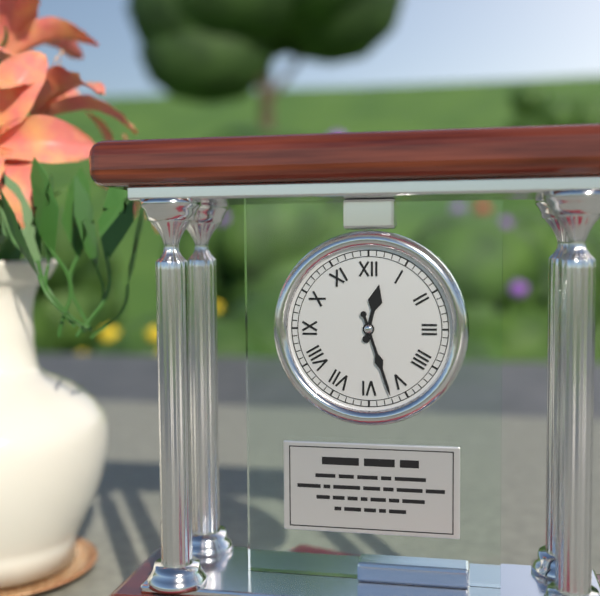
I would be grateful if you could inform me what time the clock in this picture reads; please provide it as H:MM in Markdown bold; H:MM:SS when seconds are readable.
**12:27**
